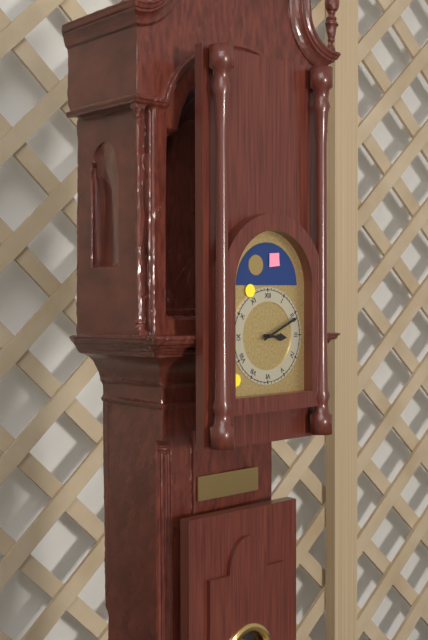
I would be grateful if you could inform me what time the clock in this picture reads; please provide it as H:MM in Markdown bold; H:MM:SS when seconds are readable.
**3:11**
